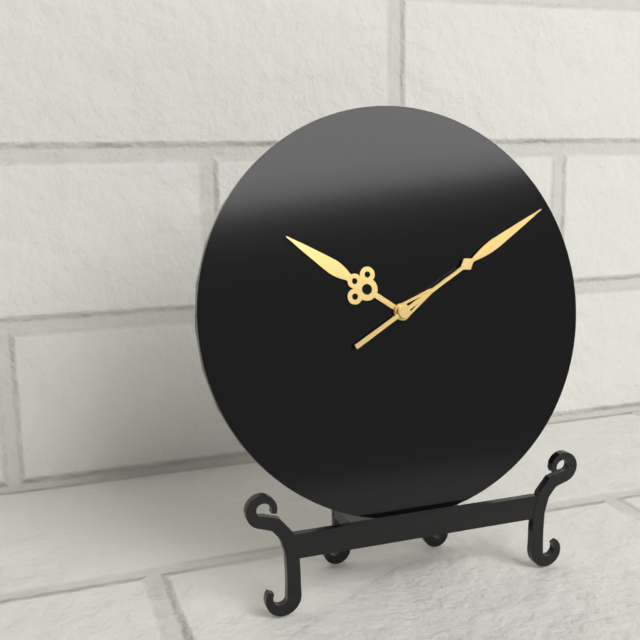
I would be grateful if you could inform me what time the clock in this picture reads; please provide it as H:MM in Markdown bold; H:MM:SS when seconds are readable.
**10:10:10**
